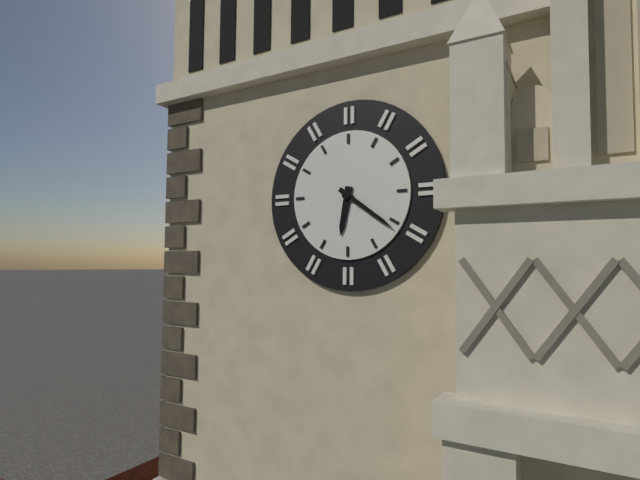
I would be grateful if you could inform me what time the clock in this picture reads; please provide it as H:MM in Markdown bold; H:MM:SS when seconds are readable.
**6:21**
